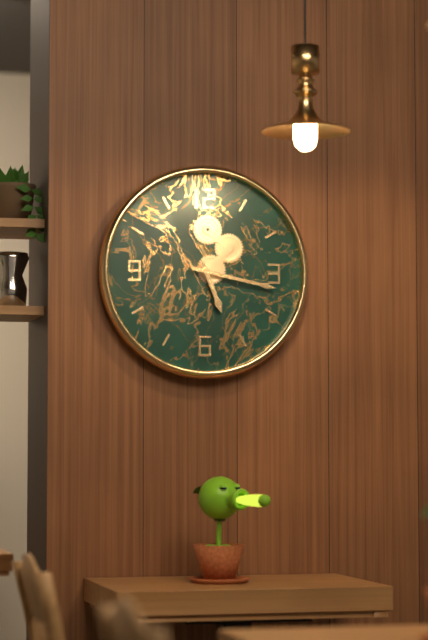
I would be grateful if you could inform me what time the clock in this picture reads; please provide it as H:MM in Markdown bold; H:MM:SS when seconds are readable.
**5:17**
